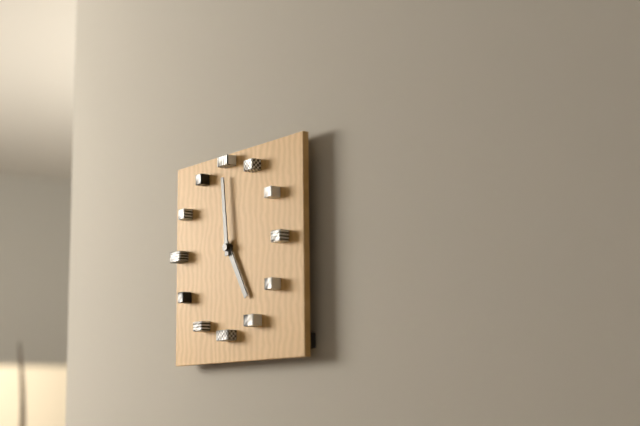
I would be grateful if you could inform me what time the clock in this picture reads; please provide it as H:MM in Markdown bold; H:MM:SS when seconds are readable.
**4:59**
